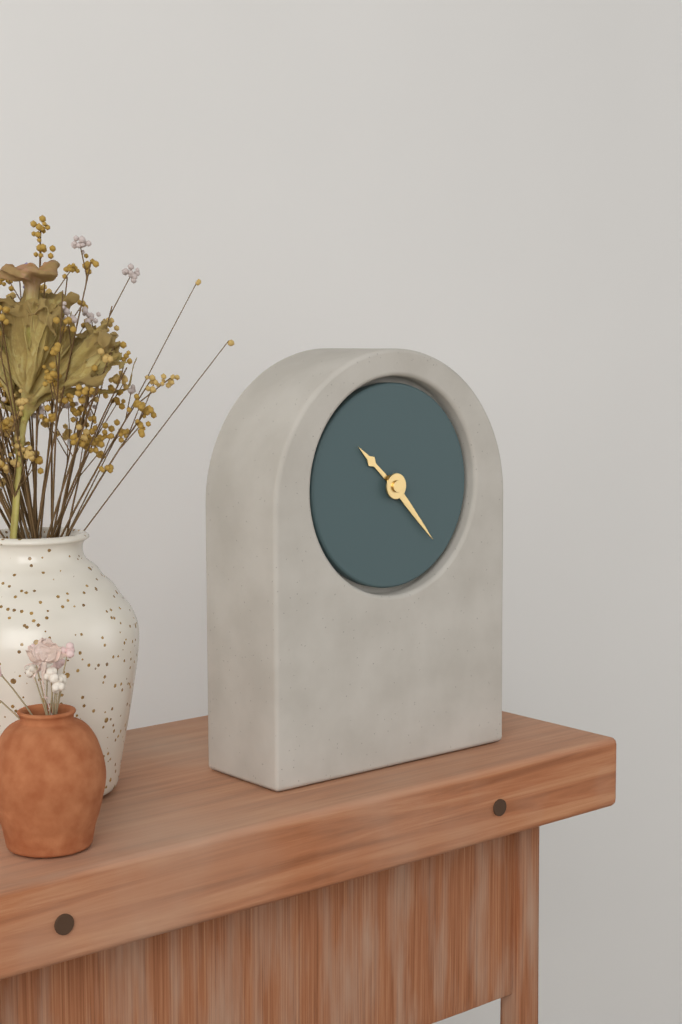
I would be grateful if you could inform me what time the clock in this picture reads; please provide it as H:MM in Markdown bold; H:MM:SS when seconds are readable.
**10:23**
